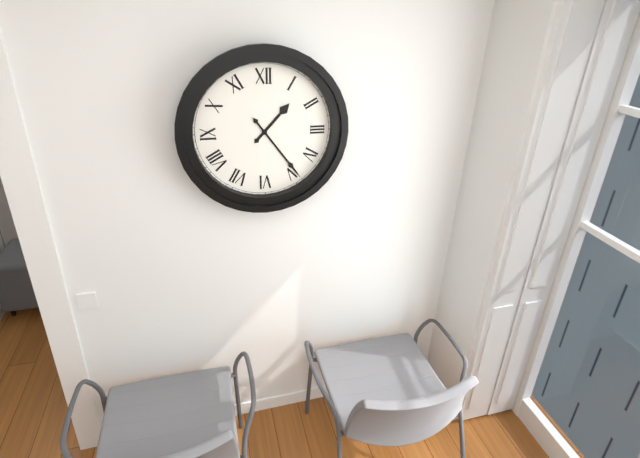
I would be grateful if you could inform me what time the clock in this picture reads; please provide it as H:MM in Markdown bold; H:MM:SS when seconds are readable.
**1:24**
